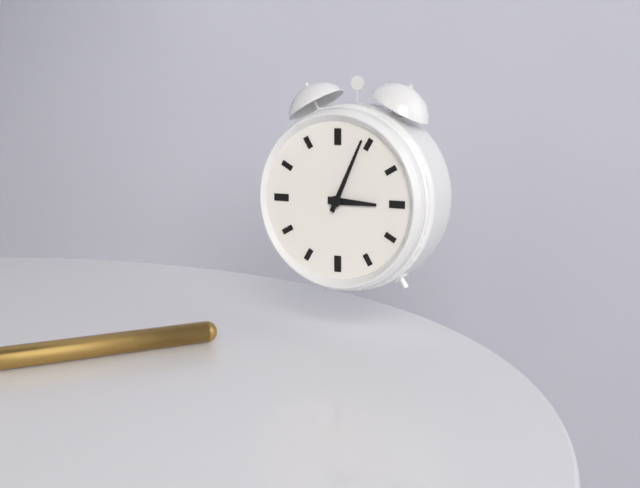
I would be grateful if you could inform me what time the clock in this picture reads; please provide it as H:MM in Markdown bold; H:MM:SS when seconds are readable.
**3:04**
